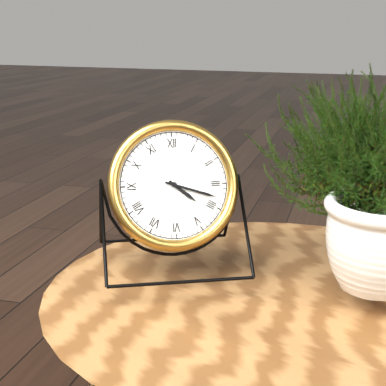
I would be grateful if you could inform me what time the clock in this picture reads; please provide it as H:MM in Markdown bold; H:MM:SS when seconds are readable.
**4:18**
